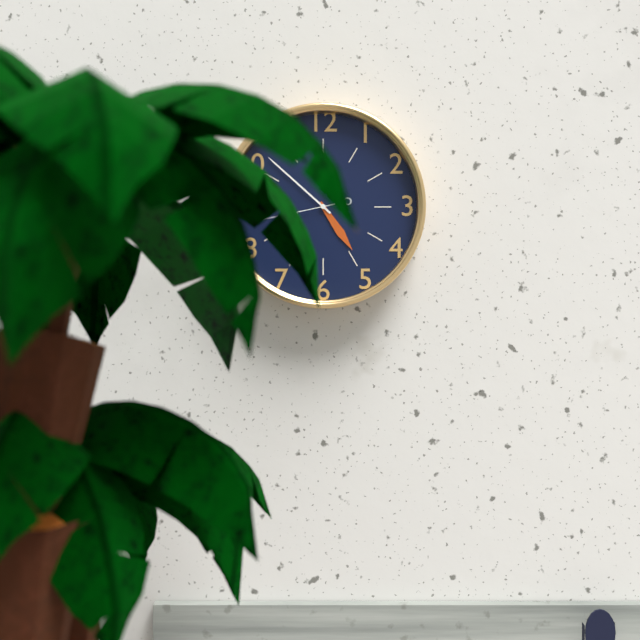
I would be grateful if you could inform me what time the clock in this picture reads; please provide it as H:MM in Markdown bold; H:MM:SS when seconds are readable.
**4:52**
